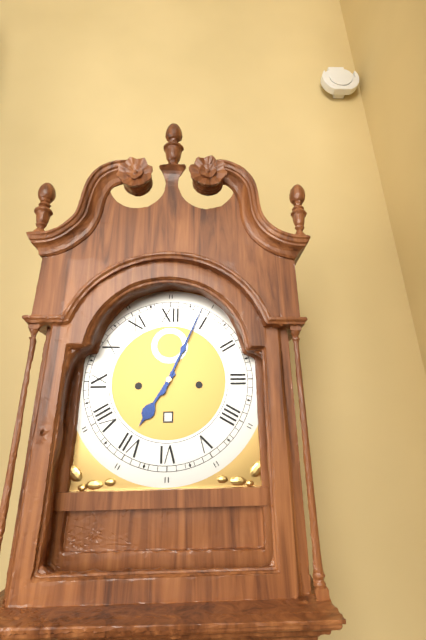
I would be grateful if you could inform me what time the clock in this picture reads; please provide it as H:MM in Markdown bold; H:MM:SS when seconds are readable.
**7:04**
